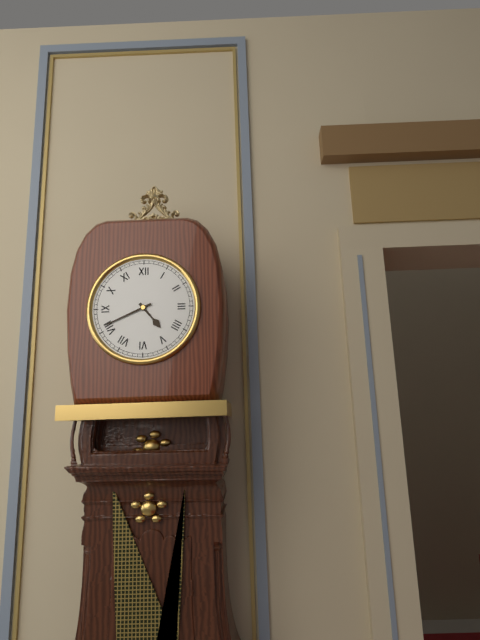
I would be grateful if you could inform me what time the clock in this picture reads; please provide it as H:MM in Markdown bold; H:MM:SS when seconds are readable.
**4:41**
